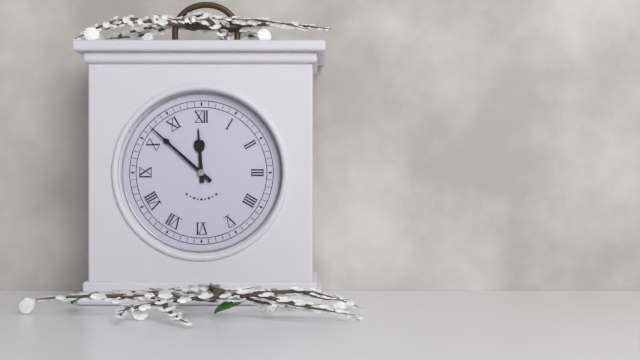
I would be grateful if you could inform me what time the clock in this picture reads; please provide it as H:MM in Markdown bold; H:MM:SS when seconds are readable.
**11:52**
